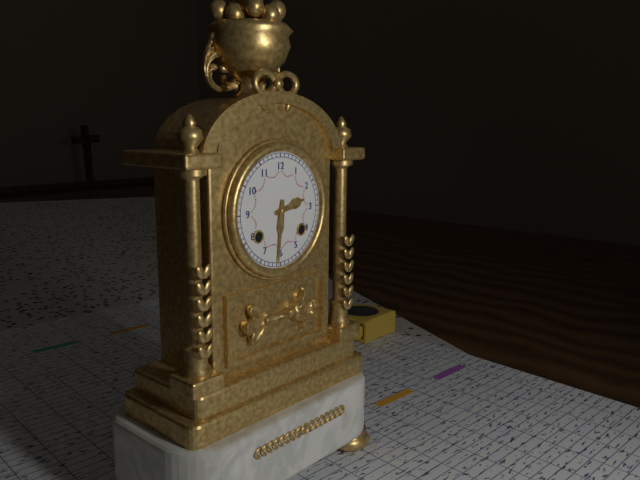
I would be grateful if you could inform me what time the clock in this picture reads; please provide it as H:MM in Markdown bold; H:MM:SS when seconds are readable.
**2:31**
